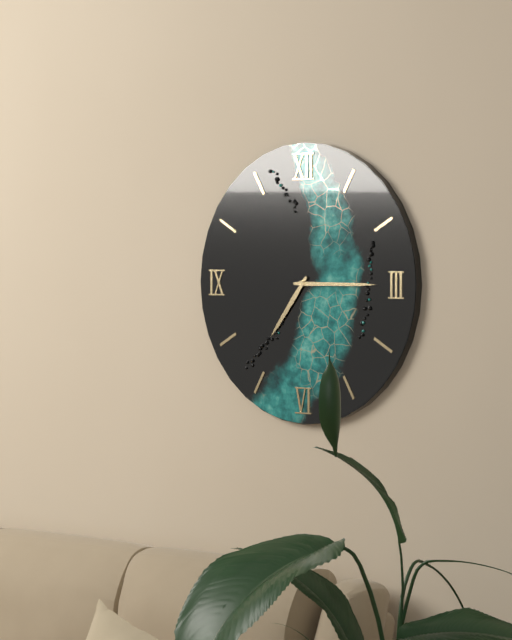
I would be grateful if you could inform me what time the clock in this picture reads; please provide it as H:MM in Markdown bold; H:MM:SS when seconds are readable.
**7:15**
